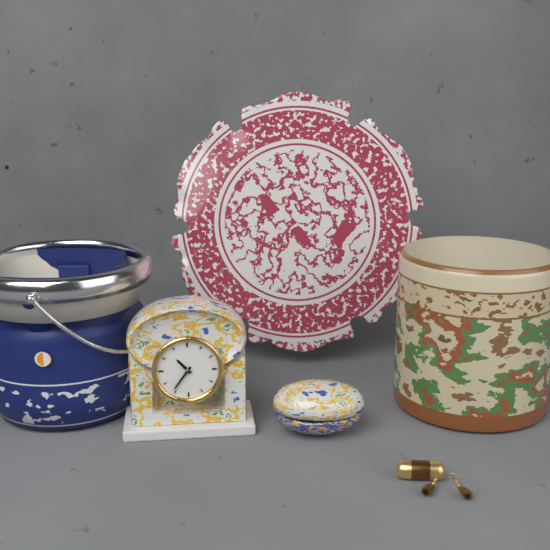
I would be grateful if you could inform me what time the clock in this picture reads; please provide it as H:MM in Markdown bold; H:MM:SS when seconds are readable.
**10:36**
